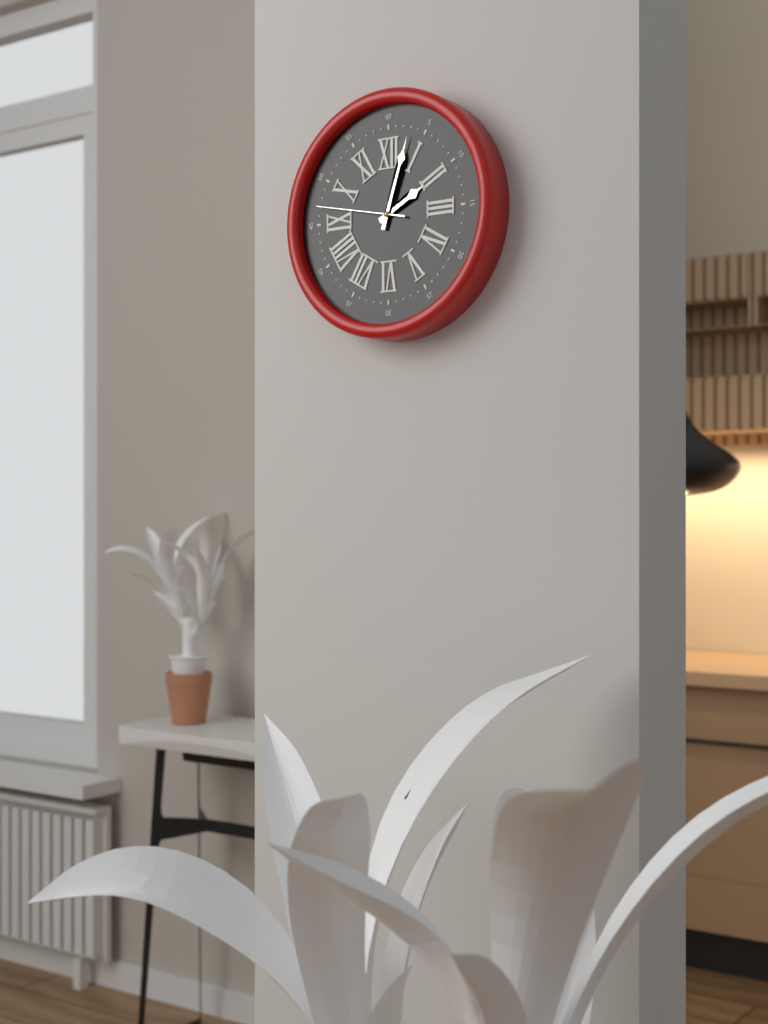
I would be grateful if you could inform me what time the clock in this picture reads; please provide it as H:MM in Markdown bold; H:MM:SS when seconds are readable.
**2:03:47**
